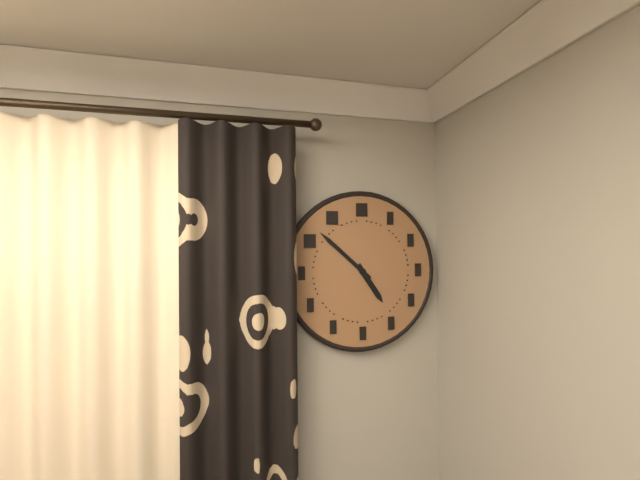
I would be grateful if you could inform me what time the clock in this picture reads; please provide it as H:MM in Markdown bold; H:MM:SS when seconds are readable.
**4:52**
